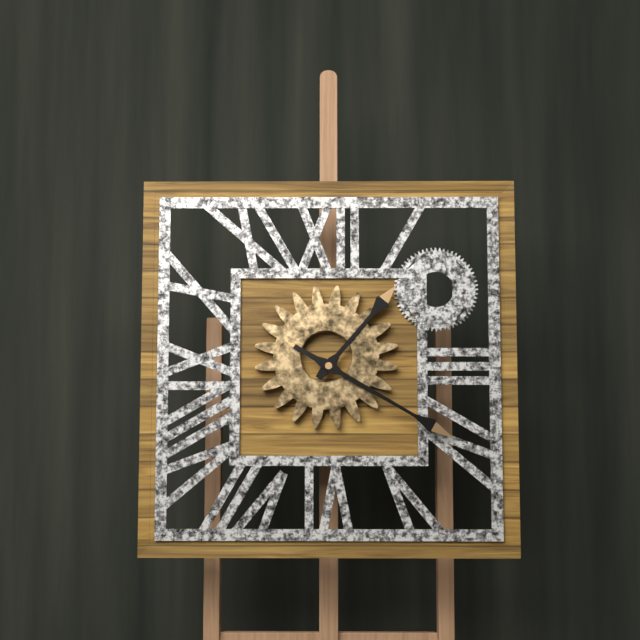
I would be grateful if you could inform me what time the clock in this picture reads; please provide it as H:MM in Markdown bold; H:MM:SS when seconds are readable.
**1:20**
